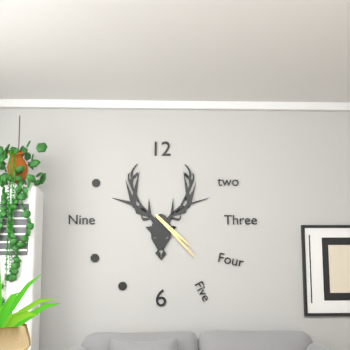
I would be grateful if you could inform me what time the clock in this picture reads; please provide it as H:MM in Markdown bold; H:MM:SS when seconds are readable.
**4:23**
